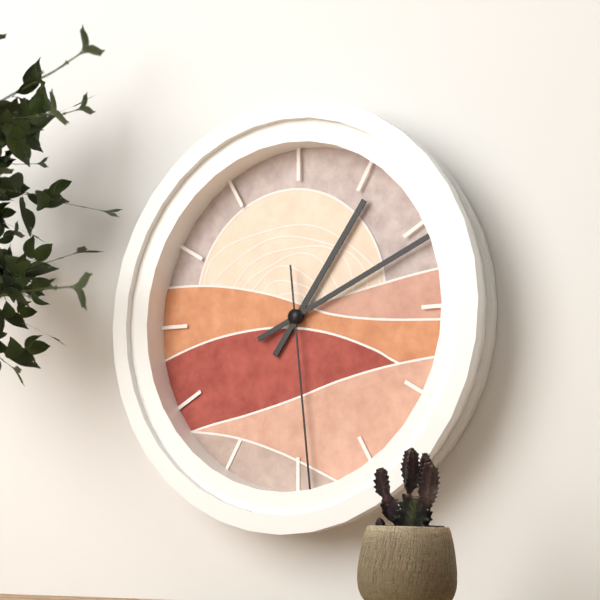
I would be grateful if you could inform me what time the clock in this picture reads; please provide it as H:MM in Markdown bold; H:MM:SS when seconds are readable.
**1:11:29**
